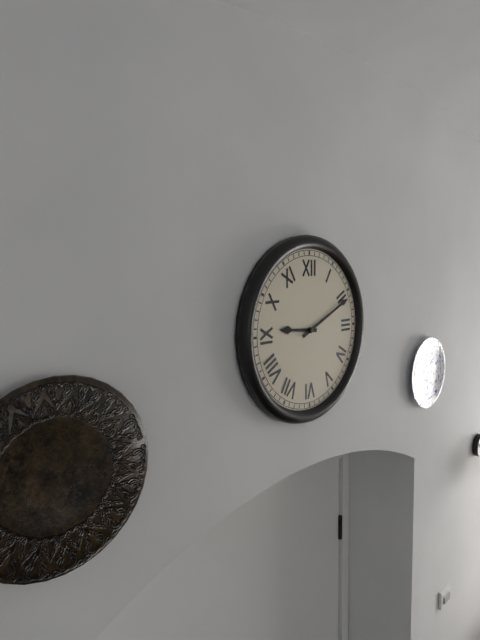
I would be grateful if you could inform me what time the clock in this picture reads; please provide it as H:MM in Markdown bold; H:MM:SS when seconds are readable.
**9:11**
